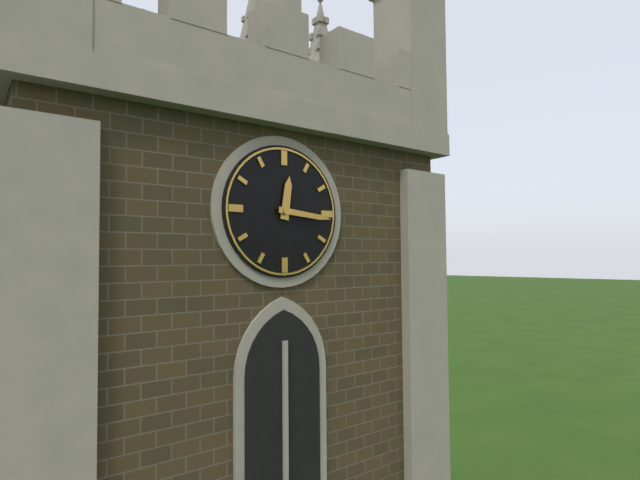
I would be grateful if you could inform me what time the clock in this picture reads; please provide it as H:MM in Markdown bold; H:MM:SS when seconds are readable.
**12:16**
